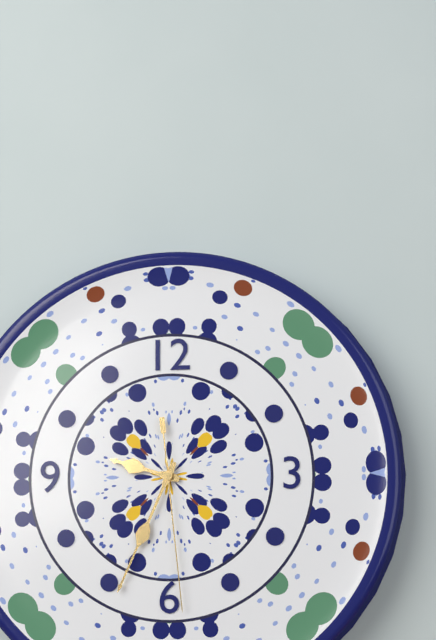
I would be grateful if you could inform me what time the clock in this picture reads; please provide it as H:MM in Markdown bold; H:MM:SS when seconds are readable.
**9:34:29**
